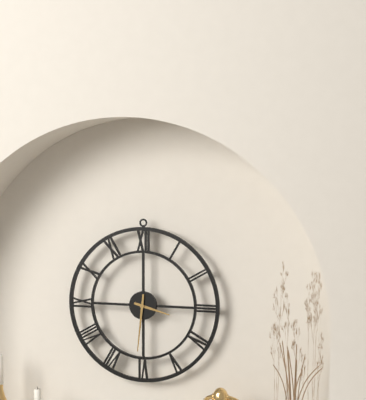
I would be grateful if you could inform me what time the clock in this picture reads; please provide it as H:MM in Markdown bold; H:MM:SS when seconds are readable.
**3:31**
